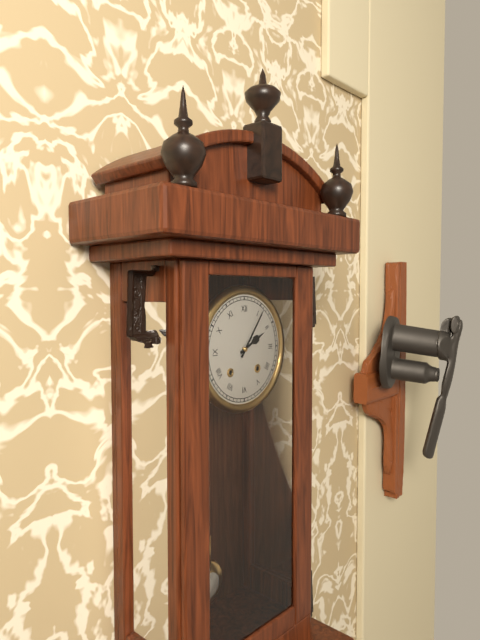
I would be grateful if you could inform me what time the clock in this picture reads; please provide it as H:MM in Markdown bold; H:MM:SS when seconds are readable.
**2:06**
